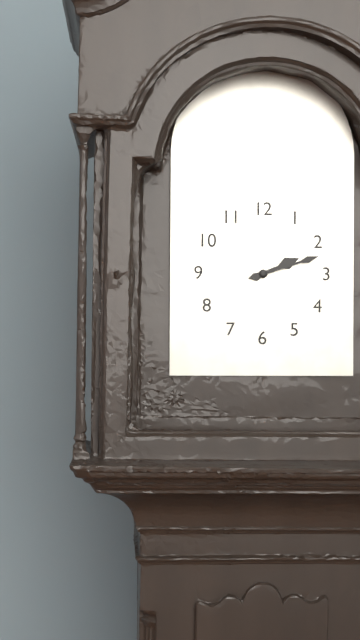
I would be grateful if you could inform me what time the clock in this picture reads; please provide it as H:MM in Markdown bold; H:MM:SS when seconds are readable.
**2:12**
